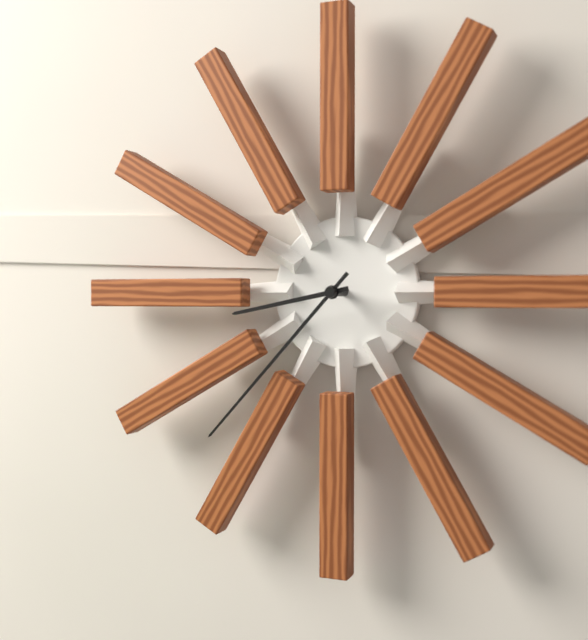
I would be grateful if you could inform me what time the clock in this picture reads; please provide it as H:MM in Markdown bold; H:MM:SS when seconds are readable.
**8:37**
